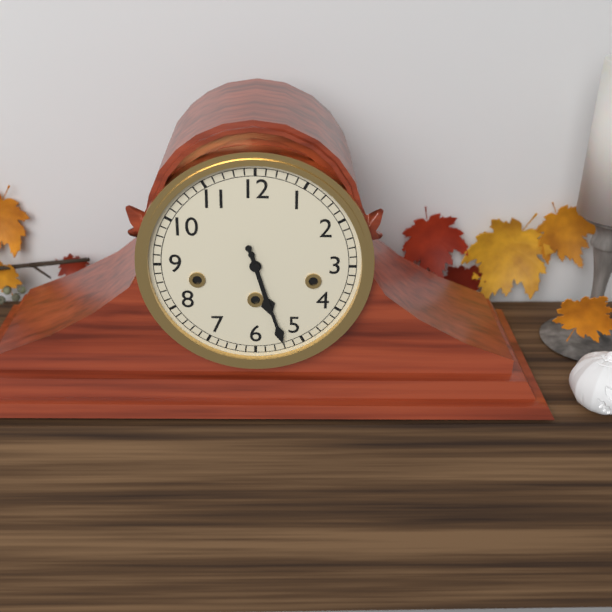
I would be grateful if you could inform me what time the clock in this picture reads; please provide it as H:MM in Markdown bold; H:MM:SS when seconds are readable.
**5:27**
